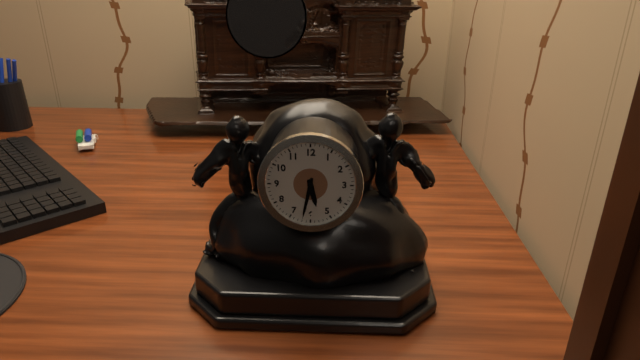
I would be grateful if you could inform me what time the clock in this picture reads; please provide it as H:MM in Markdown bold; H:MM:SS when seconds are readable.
**5:32**
